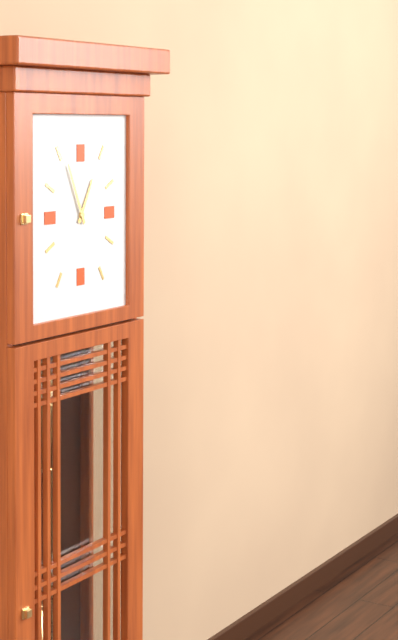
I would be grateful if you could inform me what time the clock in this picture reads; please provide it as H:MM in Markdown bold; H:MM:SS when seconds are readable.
**12:56**
